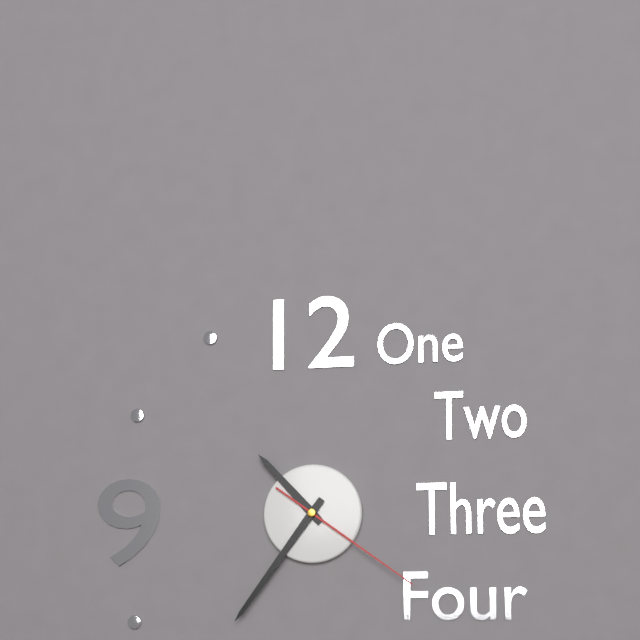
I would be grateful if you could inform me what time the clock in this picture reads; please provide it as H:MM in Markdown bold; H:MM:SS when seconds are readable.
**10:36:21**
